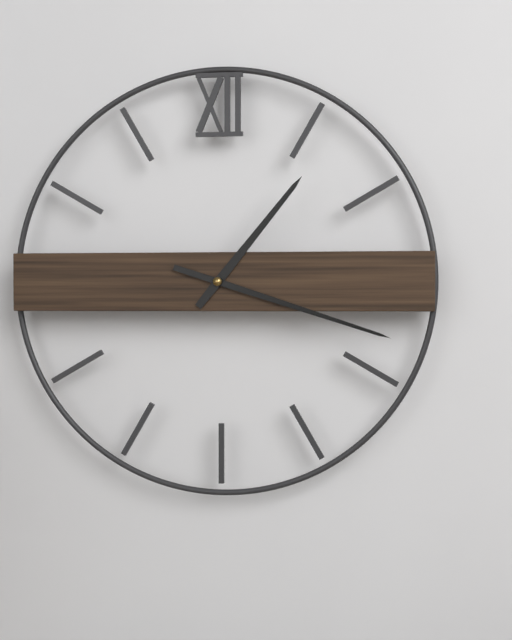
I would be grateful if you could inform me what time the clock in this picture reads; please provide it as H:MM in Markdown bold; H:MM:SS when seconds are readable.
**1:18**
